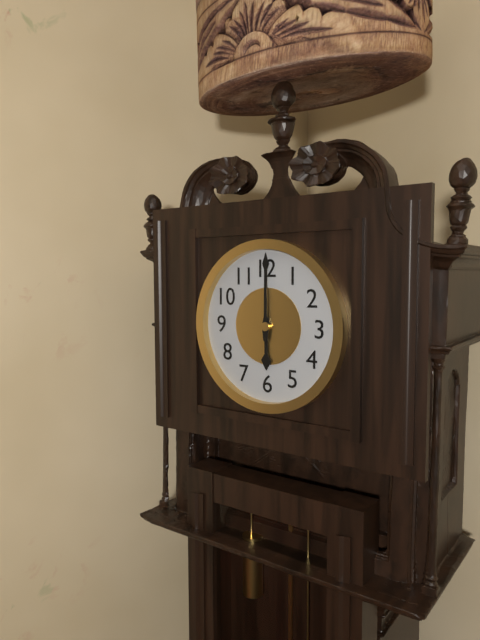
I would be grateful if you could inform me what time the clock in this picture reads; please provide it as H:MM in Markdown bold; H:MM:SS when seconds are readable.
**6:00**
